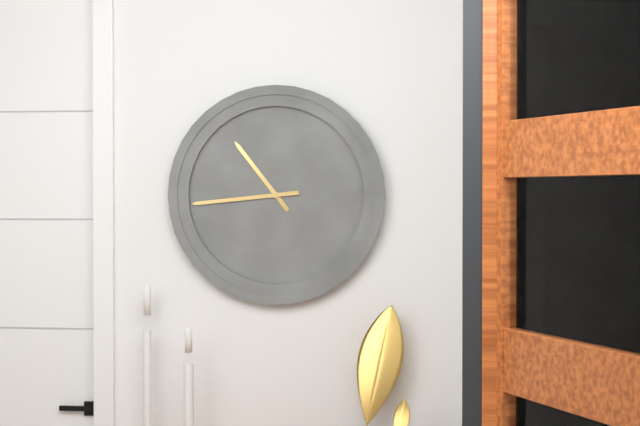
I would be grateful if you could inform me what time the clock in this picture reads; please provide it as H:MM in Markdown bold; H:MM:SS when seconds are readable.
**10:44**
